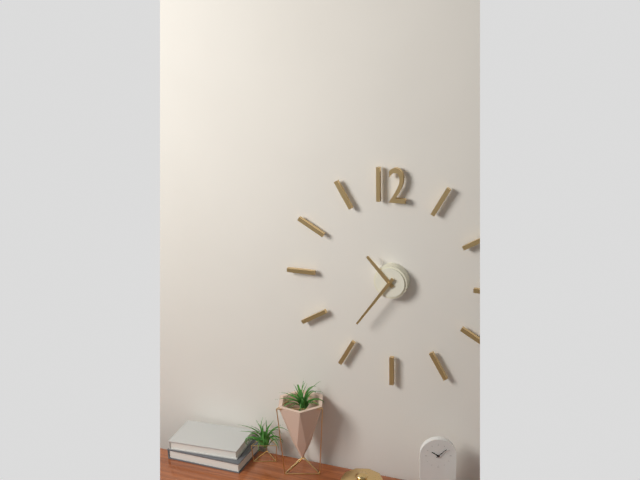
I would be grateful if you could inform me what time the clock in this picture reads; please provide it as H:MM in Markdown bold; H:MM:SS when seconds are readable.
**10:36**
